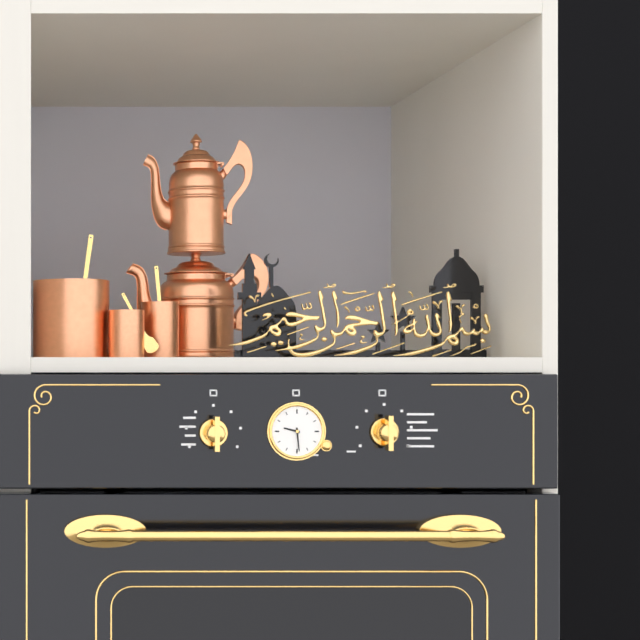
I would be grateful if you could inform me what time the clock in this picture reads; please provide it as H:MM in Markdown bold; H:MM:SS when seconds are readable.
**9:29**
